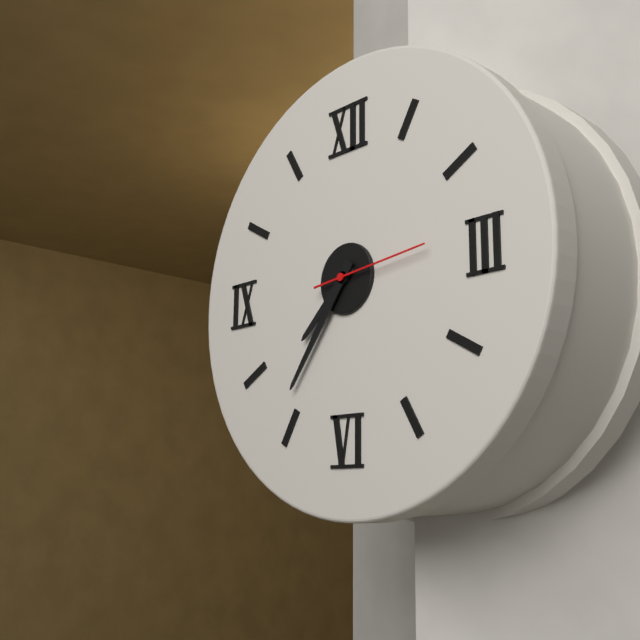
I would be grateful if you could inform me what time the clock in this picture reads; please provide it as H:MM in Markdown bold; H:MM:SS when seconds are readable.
**7:36:14**
